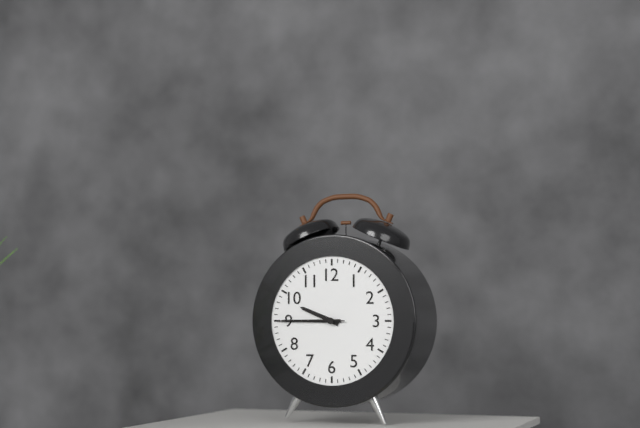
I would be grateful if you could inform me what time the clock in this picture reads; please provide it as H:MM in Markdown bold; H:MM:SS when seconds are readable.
**9:45:45**
